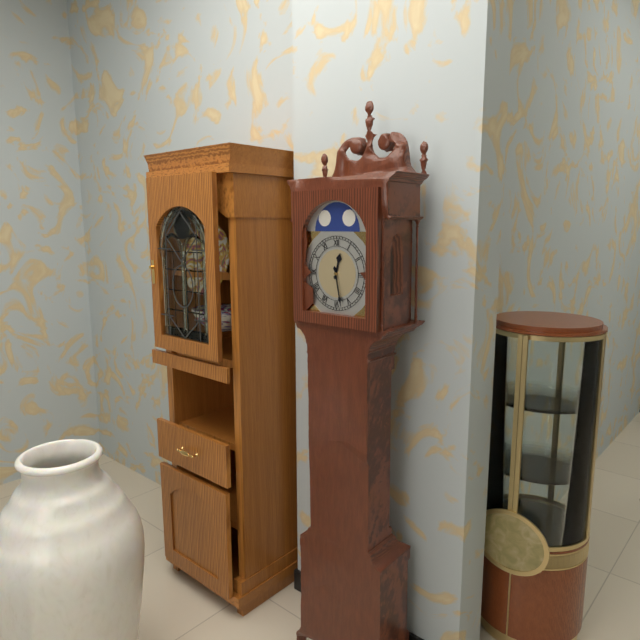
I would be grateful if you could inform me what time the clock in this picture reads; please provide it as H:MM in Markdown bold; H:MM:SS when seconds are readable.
**12:28**
